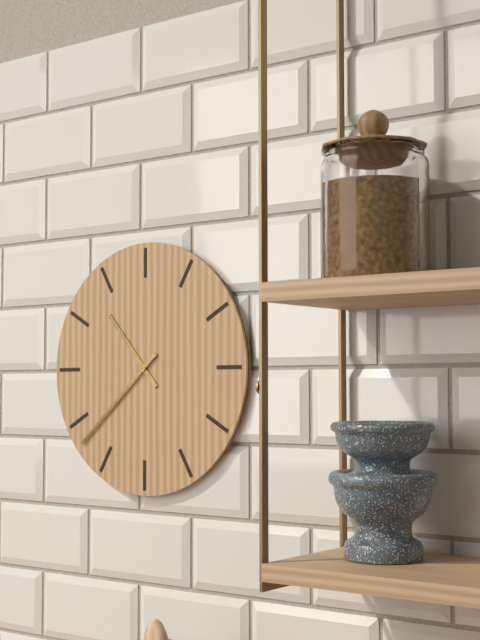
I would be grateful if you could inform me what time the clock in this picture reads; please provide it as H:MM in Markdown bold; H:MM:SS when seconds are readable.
**10:38**
